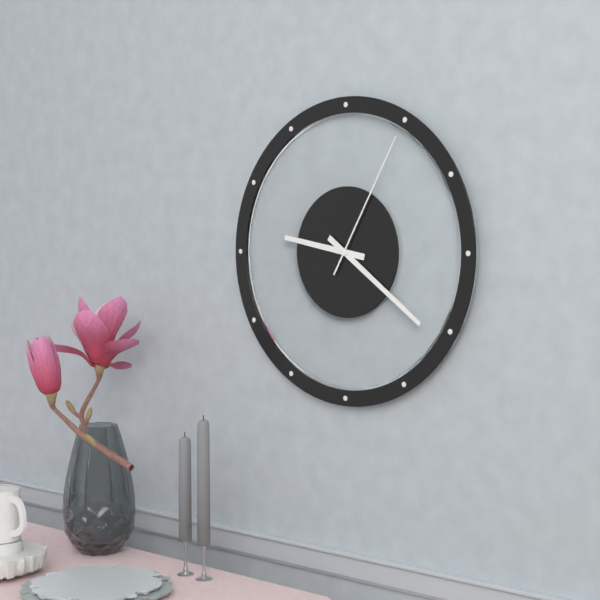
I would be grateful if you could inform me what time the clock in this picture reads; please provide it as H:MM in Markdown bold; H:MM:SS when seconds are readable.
**9:21:05**
